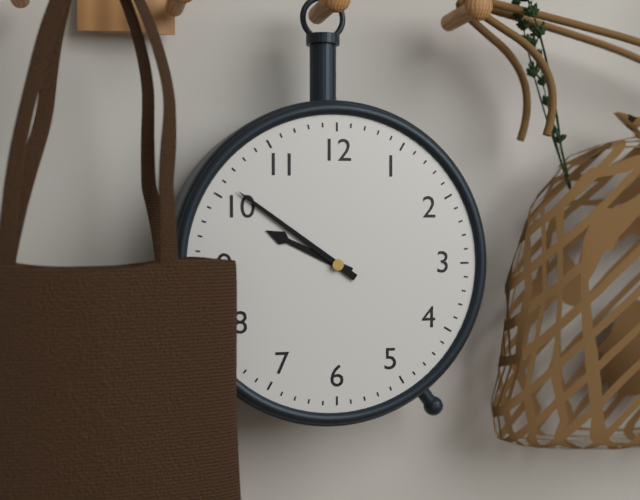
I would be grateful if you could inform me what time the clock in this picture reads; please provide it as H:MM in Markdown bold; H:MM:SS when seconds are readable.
**9:51**
